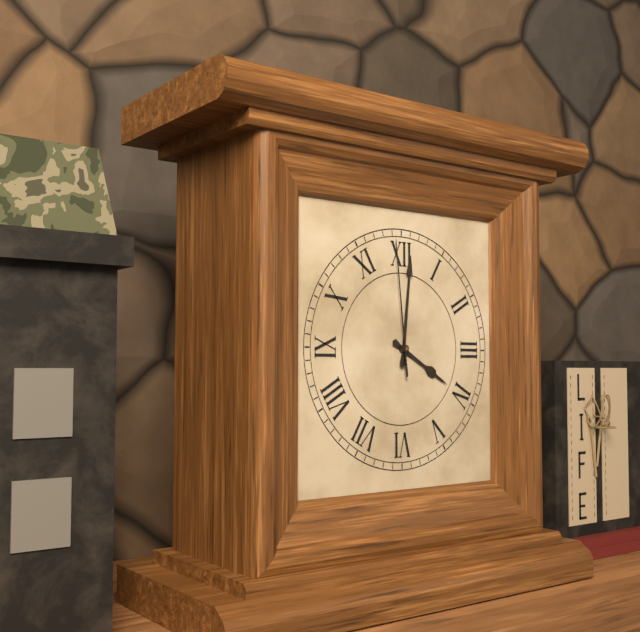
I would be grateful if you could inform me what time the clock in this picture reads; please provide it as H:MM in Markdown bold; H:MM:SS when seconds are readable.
**4:01:59**
